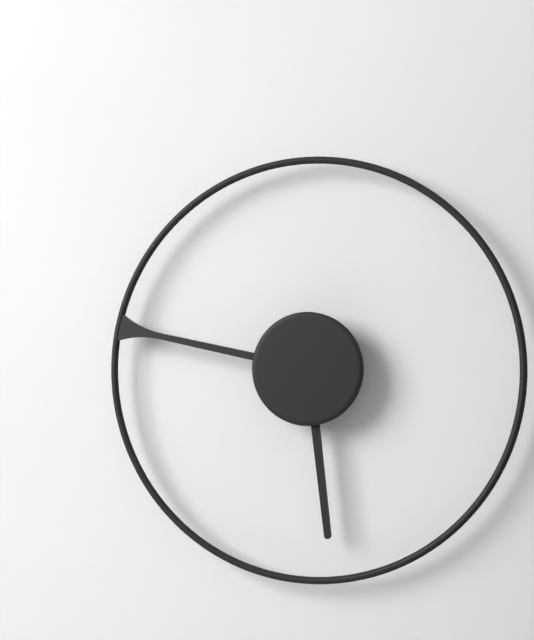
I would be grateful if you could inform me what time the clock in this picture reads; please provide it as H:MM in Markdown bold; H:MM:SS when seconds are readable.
**5:47**
